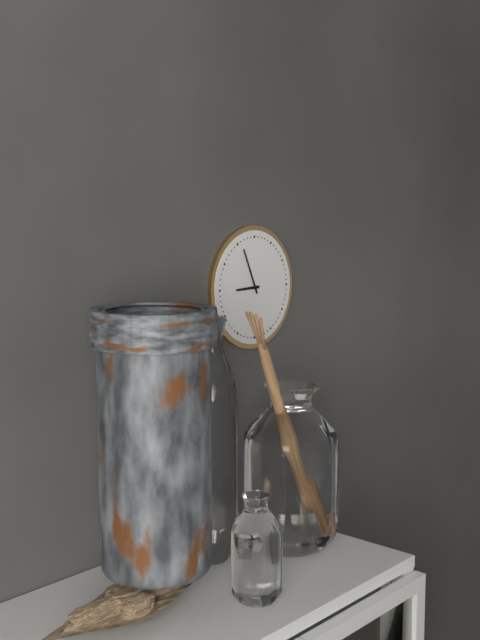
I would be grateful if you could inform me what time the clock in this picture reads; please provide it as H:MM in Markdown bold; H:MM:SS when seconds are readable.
**8:56**
